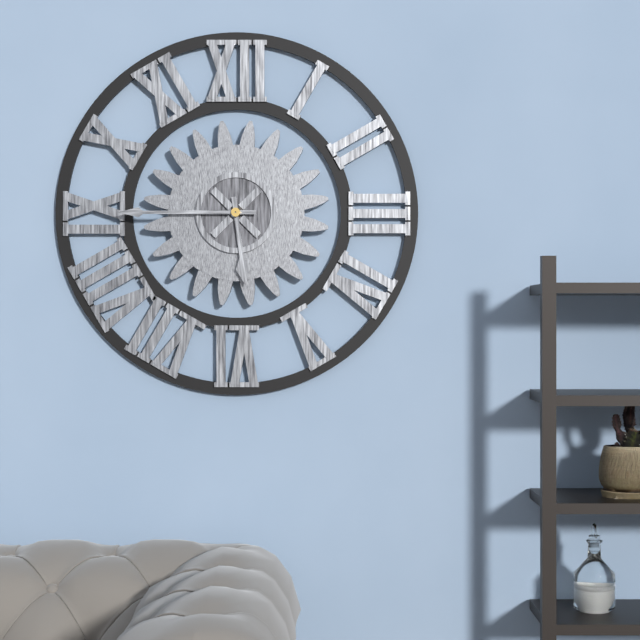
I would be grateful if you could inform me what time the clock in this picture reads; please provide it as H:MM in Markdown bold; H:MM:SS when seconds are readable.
**5:45**
